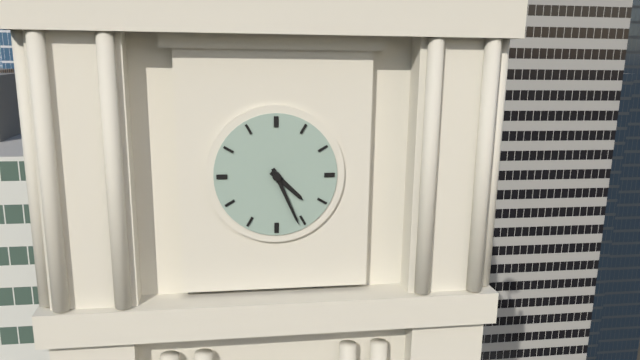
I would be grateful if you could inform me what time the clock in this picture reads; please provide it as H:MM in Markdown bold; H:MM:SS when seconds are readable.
**4:26**
